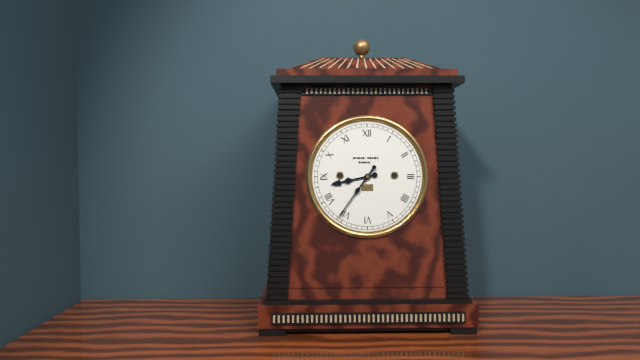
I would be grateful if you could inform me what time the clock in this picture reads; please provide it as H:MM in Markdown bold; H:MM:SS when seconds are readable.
**8:36**
